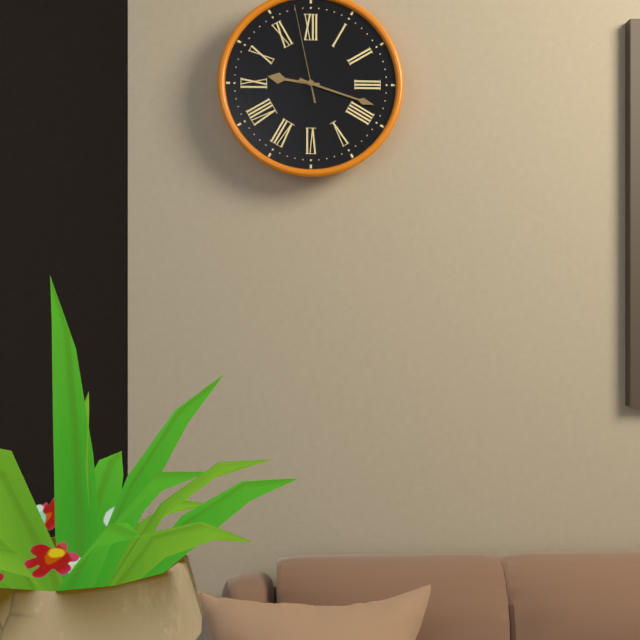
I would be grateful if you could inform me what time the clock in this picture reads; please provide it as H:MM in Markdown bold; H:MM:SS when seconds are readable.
**9:18:58**
